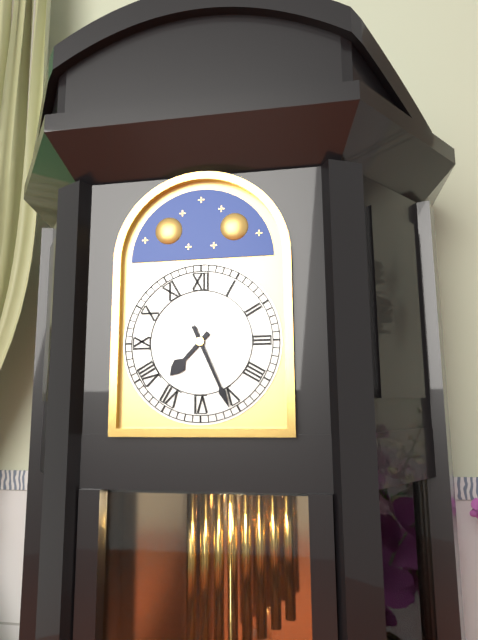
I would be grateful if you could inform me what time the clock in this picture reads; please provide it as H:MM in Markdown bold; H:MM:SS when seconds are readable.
**7:26**
